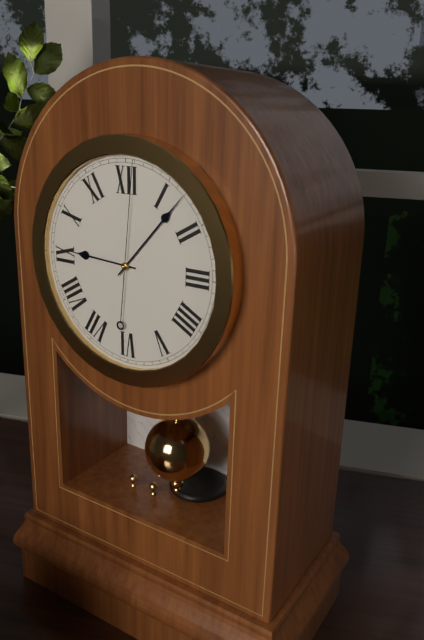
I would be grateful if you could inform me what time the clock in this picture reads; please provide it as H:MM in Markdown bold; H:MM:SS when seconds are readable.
**9:07:01**
